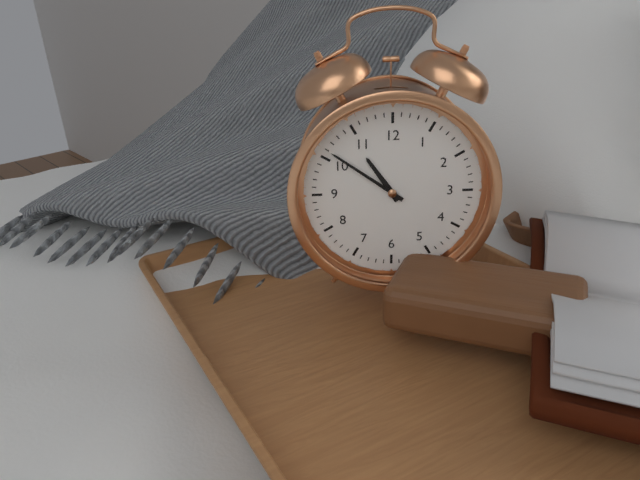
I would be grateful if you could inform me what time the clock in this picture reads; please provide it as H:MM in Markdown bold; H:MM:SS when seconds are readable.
**10:51**
